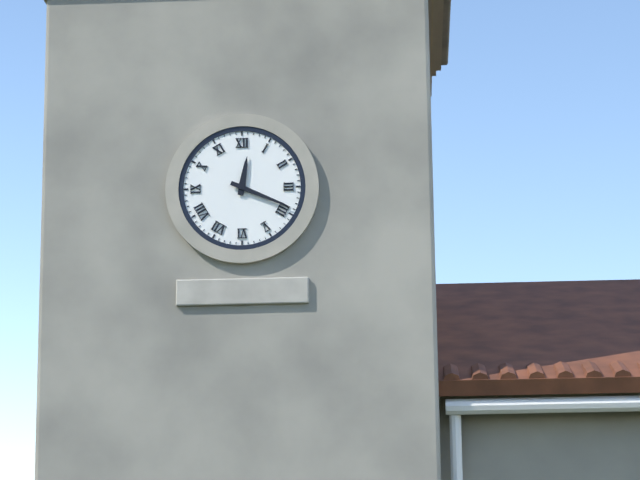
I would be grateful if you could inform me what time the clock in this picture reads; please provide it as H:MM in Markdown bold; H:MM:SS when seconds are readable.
**12:19**
